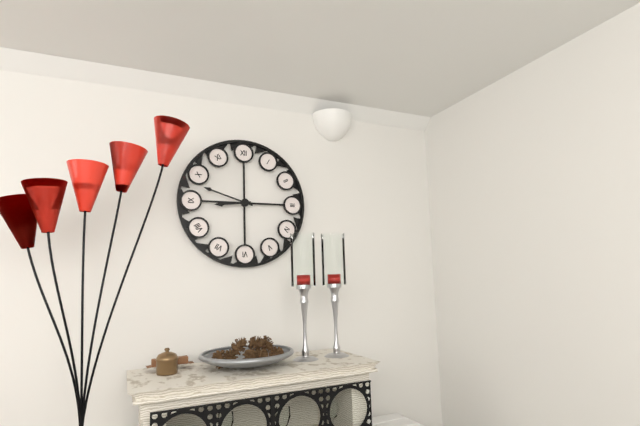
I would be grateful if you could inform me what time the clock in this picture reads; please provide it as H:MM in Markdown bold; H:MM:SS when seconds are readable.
**8:48**
